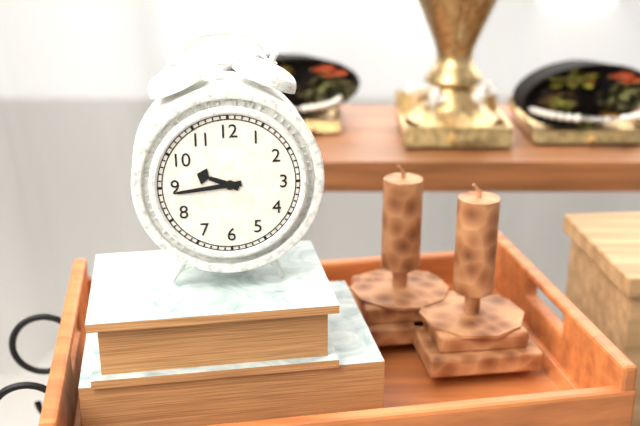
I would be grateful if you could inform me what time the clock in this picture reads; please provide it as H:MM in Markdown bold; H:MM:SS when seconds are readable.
**9:44**
